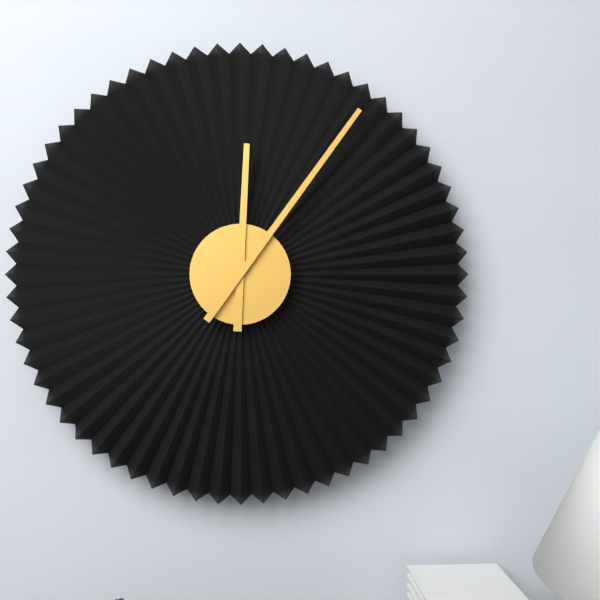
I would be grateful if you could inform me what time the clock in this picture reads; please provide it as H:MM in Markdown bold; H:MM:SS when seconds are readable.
**12:06**
